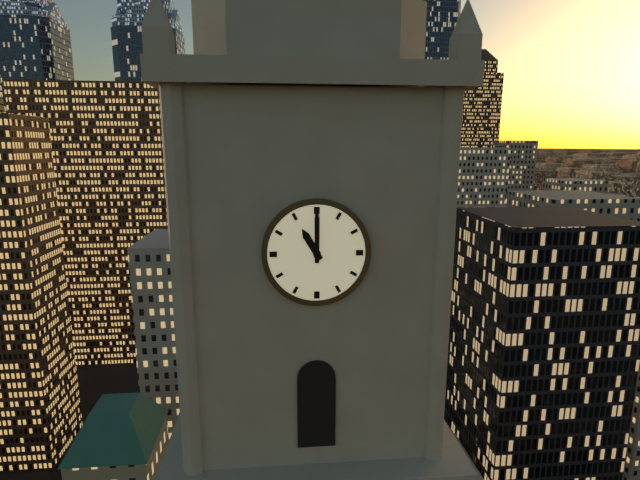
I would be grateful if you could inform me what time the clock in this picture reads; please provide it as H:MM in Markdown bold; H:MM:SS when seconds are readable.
**11:00**
